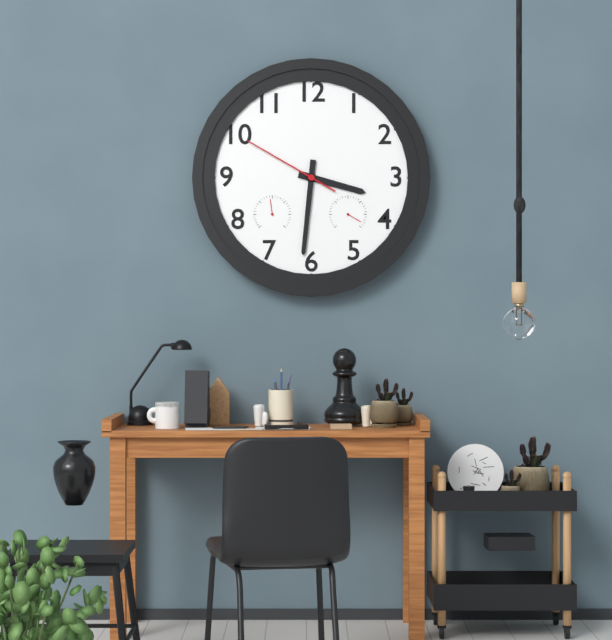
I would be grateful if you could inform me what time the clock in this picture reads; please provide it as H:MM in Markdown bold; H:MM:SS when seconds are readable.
**3:31:50**
